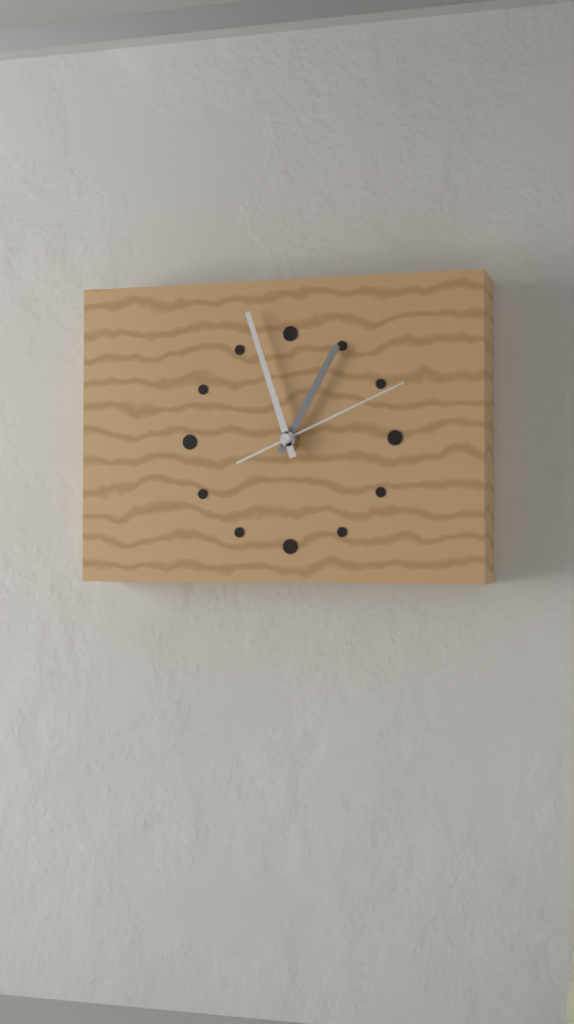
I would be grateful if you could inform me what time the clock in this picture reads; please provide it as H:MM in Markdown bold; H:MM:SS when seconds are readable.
**12:57:11**
